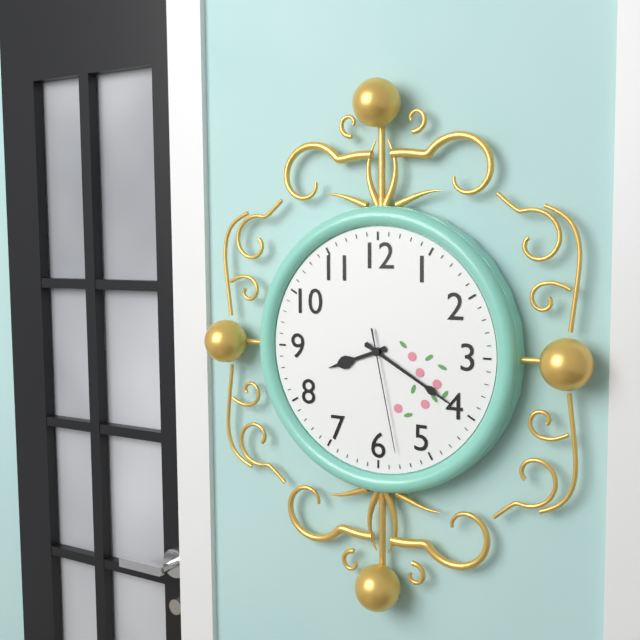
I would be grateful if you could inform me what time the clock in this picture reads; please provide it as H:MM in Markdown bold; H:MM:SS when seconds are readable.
**8:20:28**
